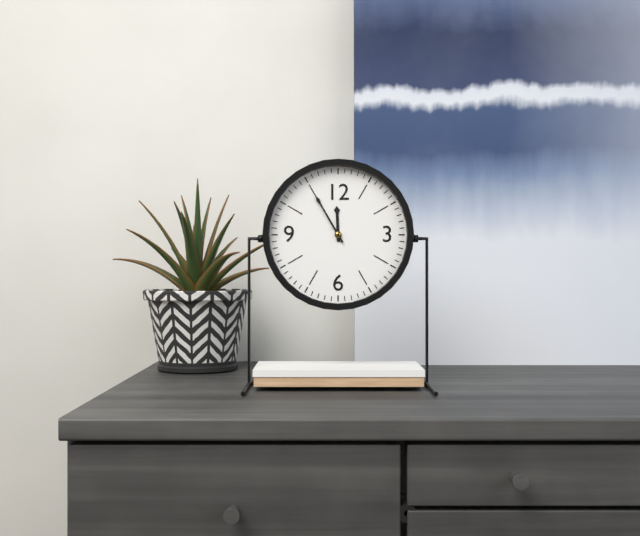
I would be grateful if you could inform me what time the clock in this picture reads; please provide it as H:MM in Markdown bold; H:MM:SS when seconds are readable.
**11:55**
